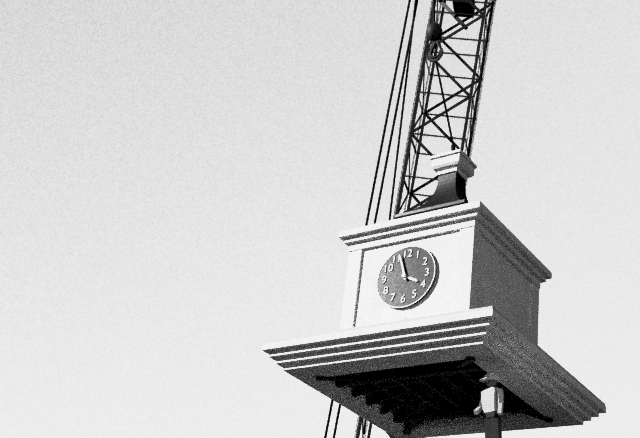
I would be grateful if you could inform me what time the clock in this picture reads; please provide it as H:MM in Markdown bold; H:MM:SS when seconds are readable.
**3:57**
